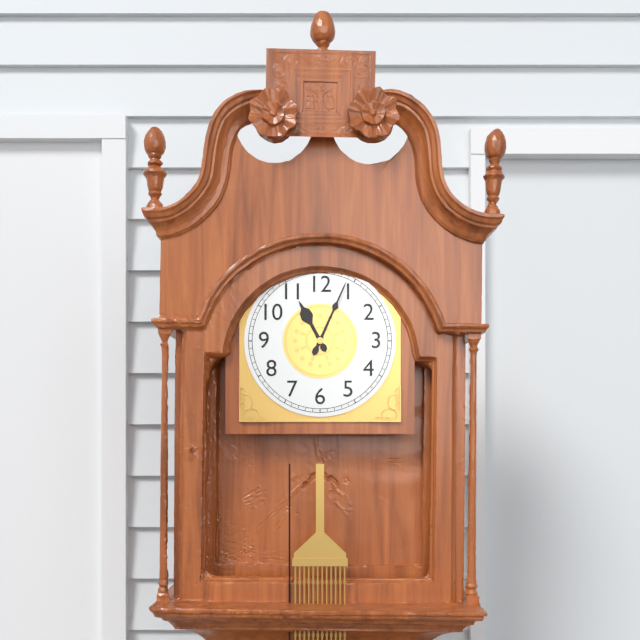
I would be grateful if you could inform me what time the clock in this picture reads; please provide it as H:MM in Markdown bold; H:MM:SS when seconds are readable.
**11:04**
